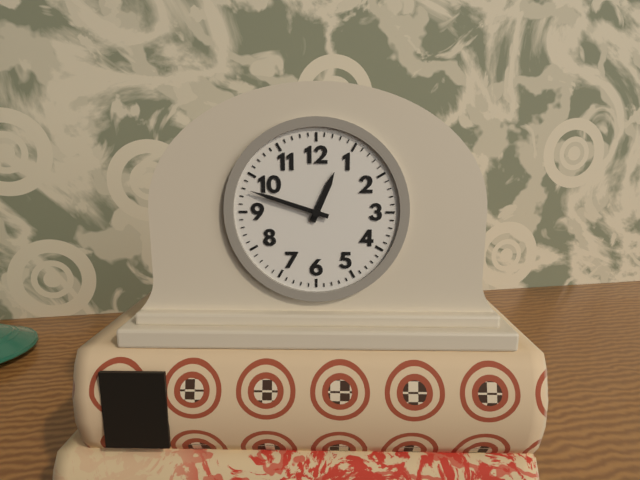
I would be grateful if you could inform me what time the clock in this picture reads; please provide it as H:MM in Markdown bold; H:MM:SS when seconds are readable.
**12:48**
